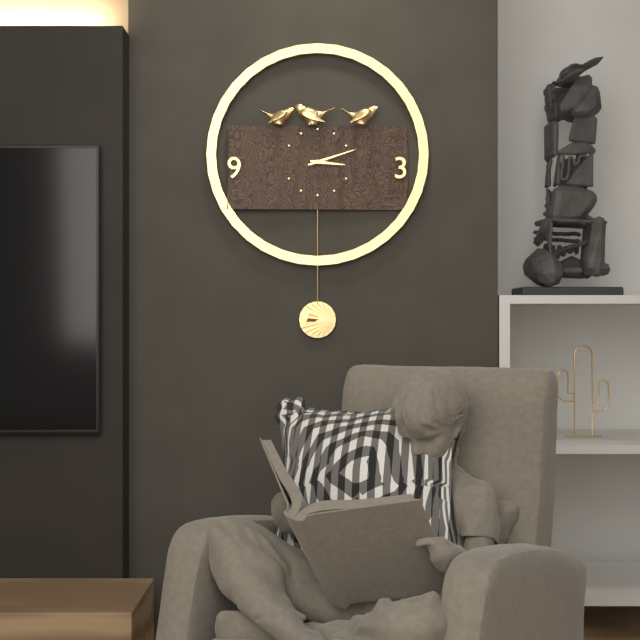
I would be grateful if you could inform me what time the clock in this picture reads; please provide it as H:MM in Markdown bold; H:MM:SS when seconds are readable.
**3:12**
